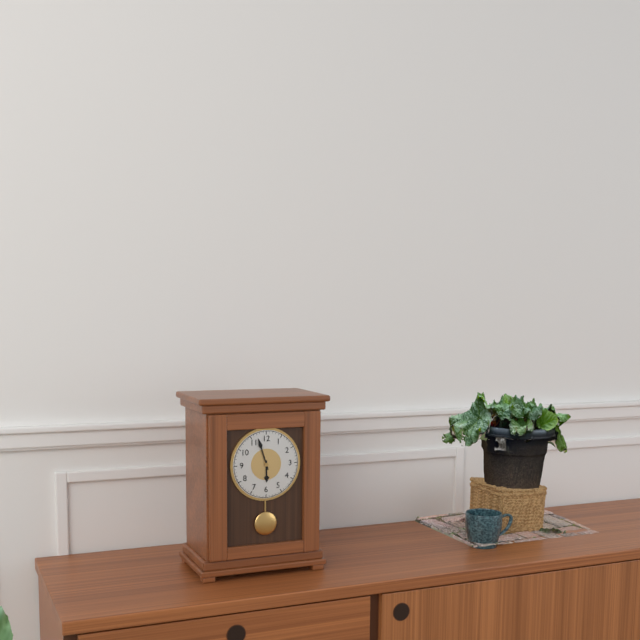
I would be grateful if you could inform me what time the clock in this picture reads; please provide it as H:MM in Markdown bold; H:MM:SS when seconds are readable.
**5:57**
